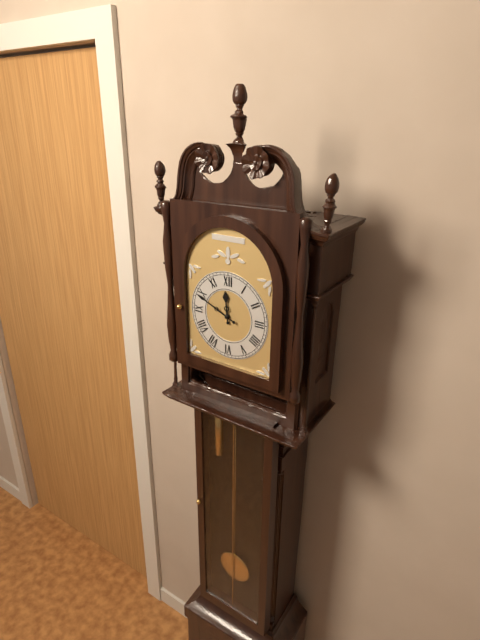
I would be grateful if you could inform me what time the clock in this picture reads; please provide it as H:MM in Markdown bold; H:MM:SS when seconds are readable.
**11:49**
